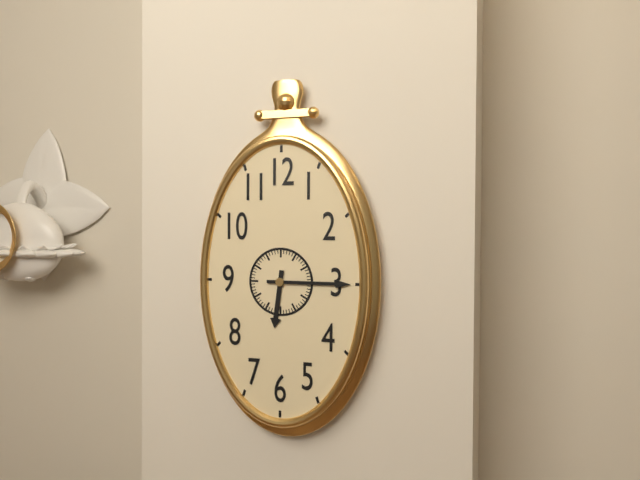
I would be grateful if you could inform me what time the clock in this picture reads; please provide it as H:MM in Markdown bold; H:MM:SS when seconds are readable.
**6:15**
